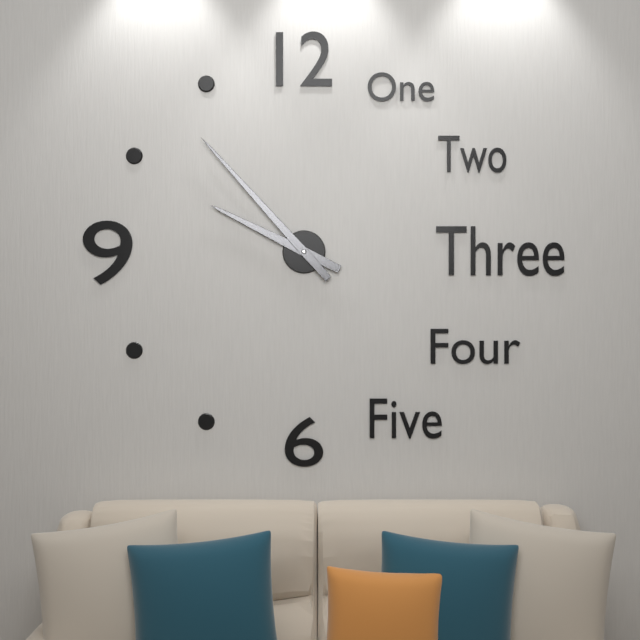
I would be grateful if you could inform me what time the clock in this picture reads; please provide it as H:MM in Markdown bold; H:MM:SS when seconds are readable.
**9:53**
